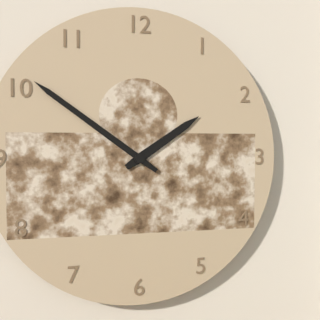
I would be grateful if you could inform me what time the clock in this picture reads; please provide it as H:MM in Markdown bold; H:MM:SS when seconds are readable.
**1:51**
